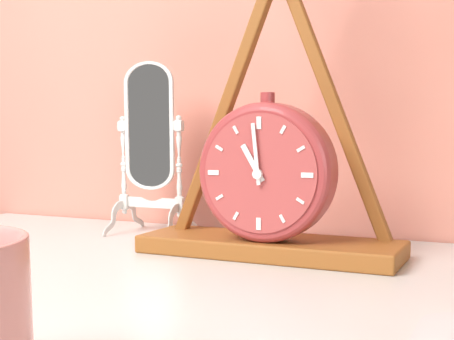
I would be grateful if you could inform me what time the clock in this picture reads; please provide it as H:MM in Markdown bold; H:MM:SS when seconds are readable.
**10:59**
